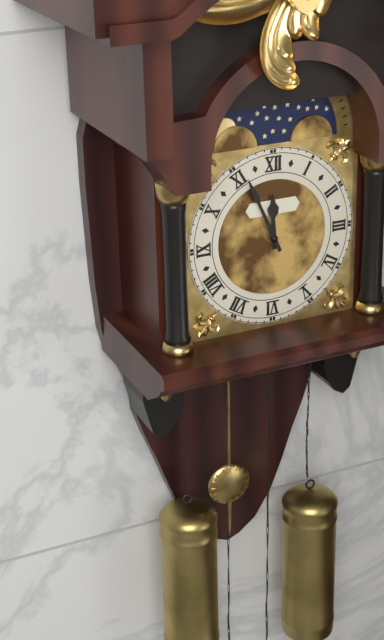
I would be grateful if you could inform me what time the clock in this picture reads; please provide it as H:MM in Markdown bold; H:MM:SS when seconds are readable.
**11:56**
